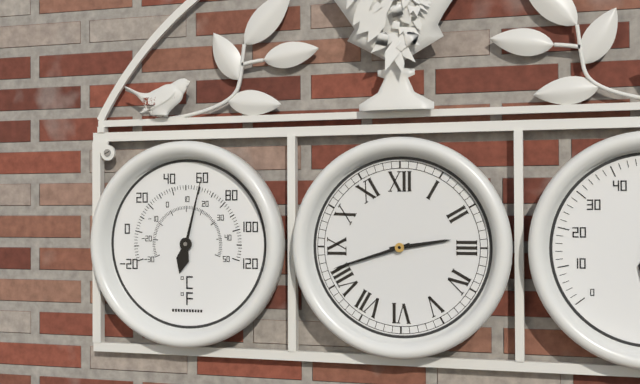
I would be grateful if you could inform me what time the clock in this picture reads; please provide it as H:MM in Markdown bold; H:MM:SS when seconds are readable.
**2:42**
